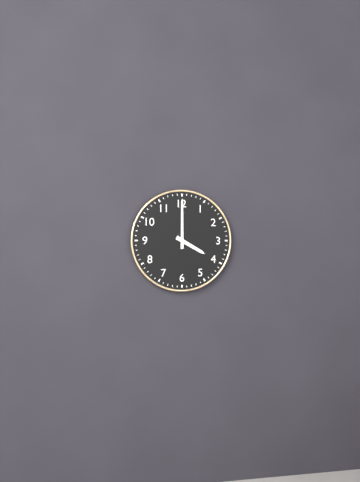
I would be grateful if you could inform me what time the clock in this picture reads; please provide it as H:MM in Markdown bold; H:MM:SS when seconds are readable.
**4:00**
